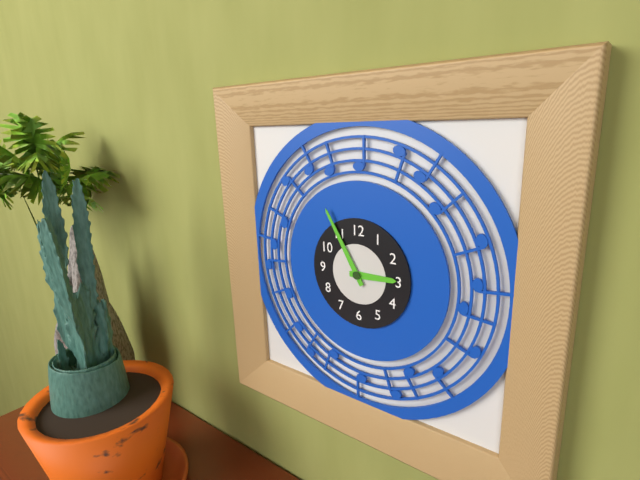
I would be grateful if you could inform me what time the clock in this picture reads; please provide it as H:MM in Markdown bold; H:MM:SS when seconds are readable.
**2:55**
